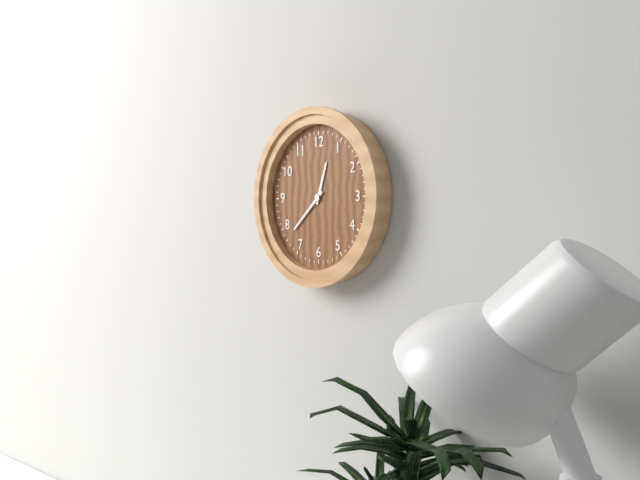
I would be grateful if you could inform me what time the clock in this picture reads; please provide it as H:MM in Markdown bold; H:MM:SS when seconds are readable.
**12:38**
